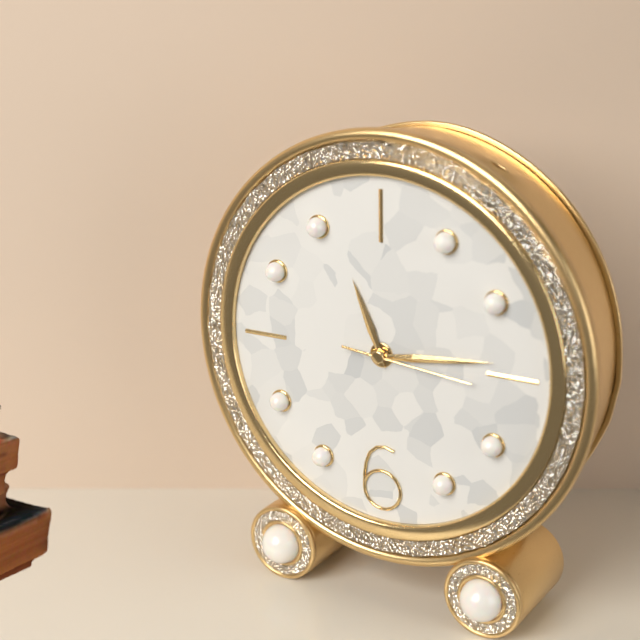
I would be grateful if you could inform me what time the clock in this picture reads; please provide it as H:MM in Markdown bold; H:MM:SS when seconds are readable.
**11:14:16**
